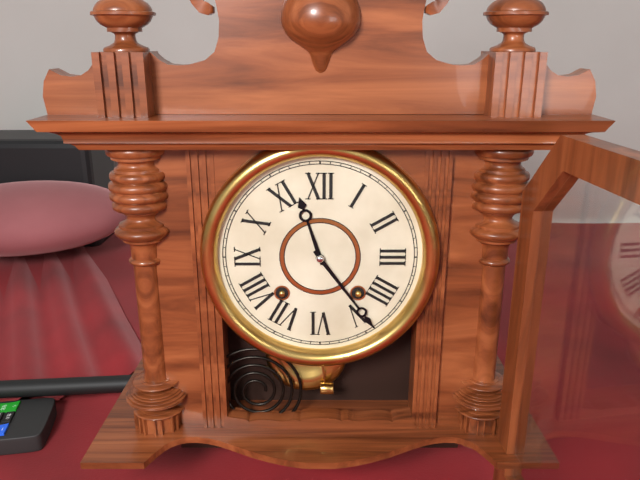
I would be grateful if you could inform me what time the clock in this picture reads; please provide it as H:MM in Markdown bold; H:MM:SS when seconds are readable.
**11:24**
